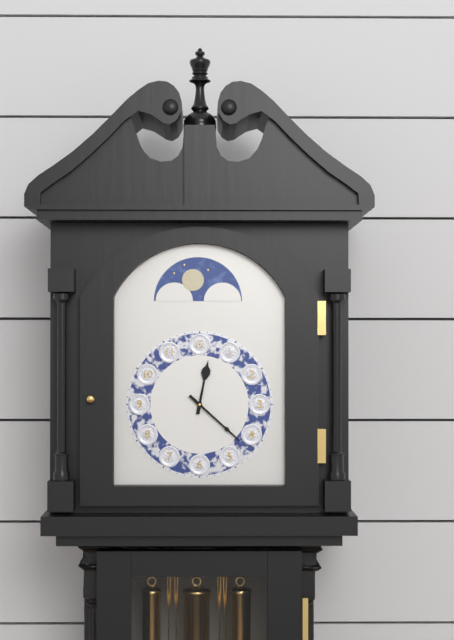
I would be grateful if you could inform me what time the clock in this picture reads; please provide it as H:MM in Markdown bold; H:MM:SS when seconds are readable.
**12:22**
